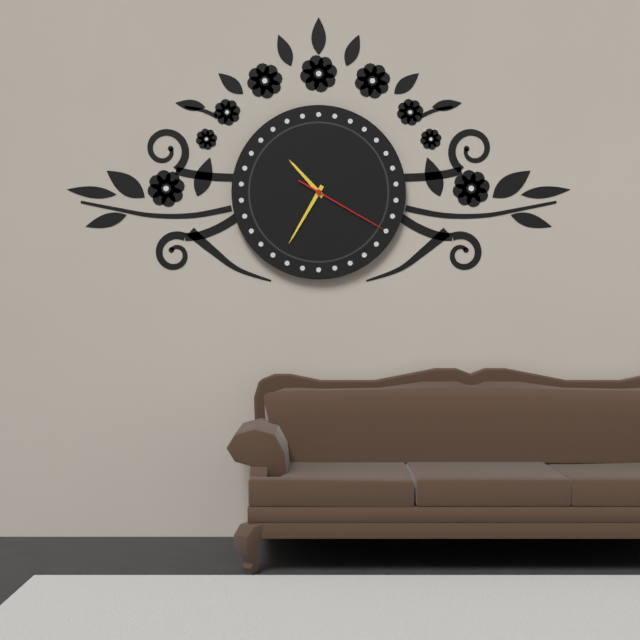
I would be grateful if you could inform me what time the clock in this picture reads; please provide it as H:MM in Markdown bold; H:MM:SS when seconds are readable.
**10:35:20**
